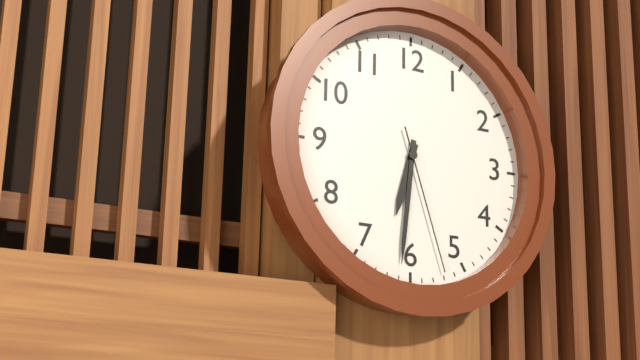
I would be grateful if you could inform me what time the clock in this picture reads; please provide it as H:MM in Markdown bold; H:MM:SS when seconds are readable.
**6:31:27**
